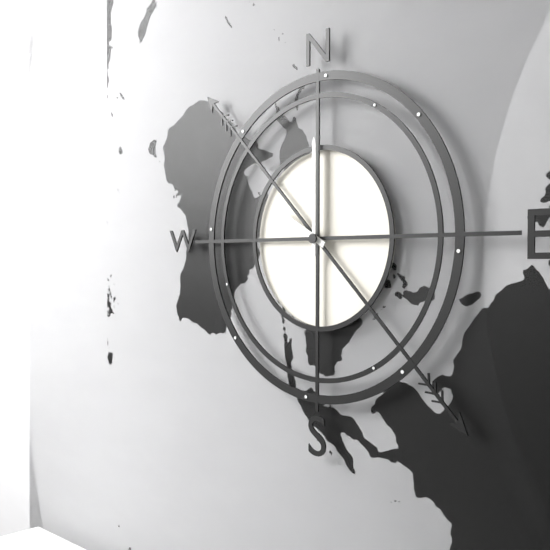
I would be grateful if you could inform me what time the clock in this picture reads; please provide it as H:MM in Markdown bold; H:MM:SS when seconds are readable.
**10:00**
